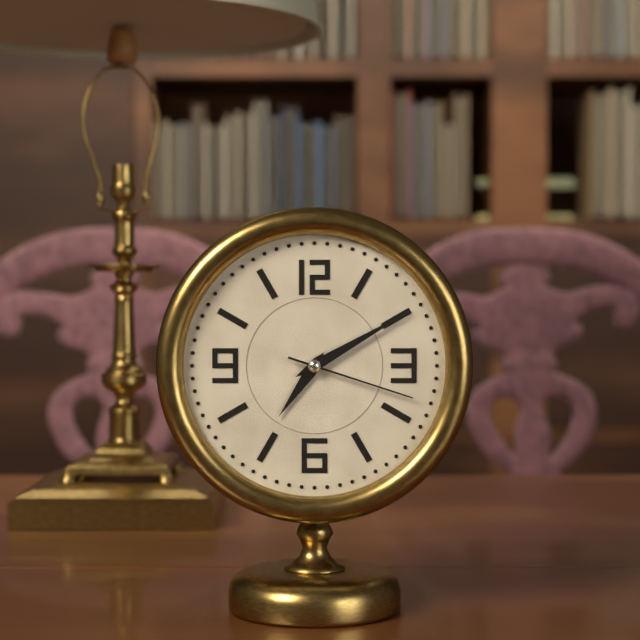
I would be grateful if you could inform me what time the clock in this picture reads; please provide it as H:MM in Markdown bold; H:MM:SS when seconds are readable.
**7:10:18**
